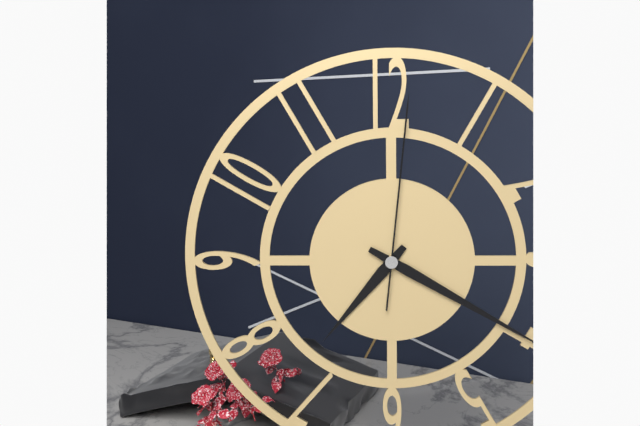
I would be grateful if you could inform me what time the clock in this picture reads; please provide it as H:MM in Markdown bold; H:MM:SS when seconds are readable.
**7:20:01**
